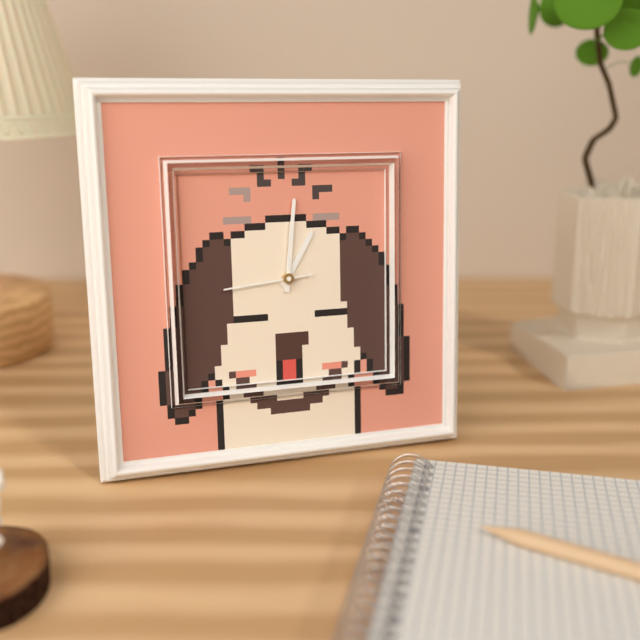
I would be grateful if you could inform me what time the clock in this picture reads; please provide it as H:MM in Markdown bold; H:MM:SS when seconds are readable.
**1:01:44**
